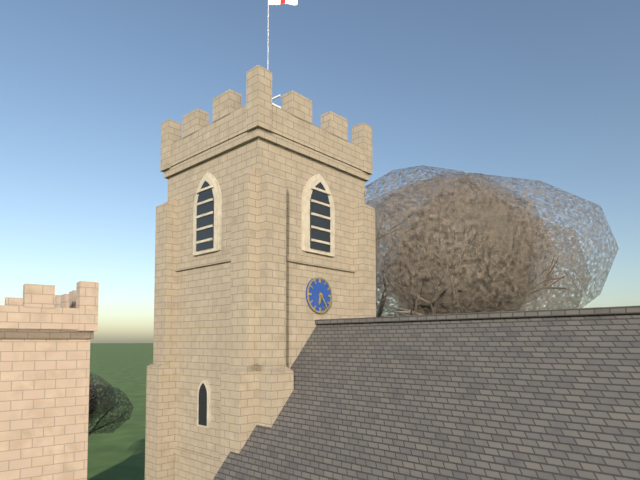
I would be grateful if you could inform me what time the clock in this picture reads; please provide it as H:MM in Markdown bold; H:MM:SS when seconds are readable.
**6:24**
